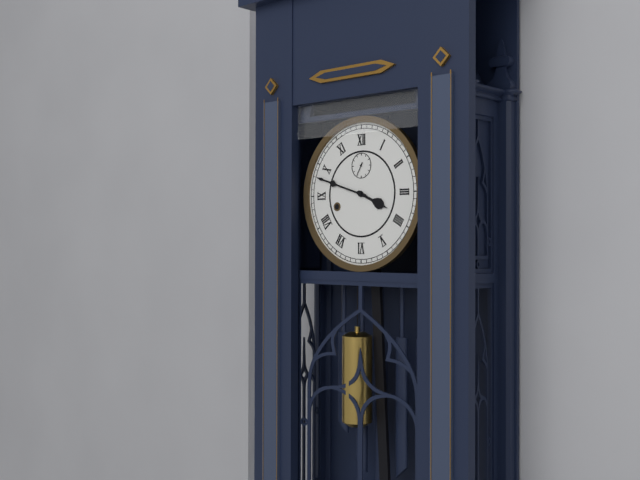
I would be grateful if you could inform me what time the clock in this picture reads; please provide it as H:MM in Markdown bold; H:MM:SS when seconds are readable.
**3:48**
